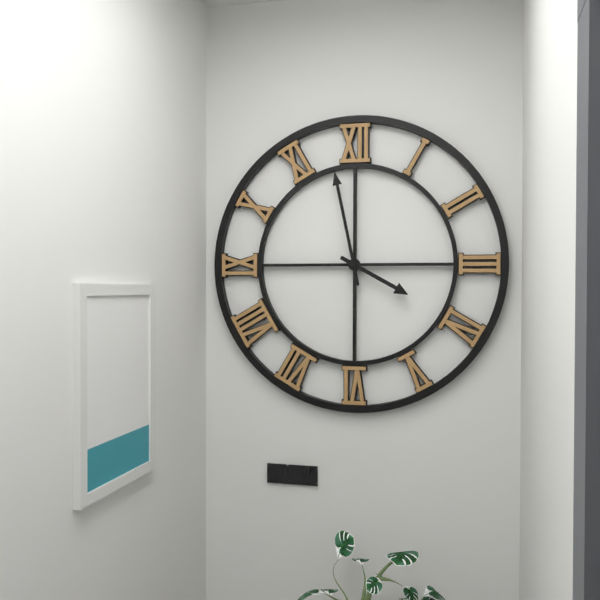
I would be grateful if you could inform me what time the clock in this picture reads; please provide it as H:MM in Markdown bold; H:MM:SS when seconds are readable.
**3:58**
